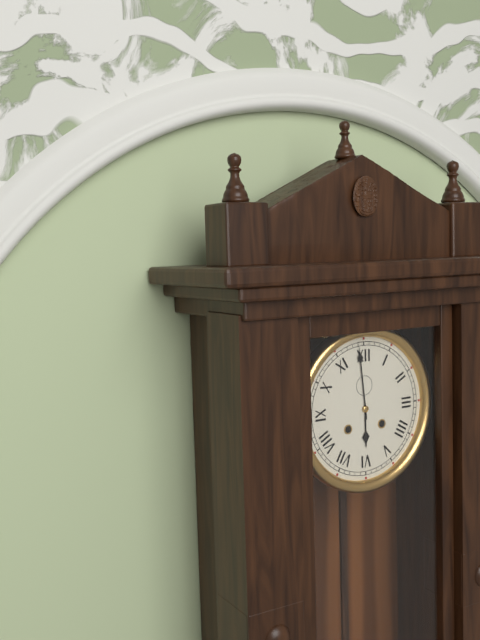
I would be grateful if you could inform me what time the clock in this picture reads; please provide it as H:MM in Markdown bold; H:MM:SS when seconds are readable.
**5:59**
